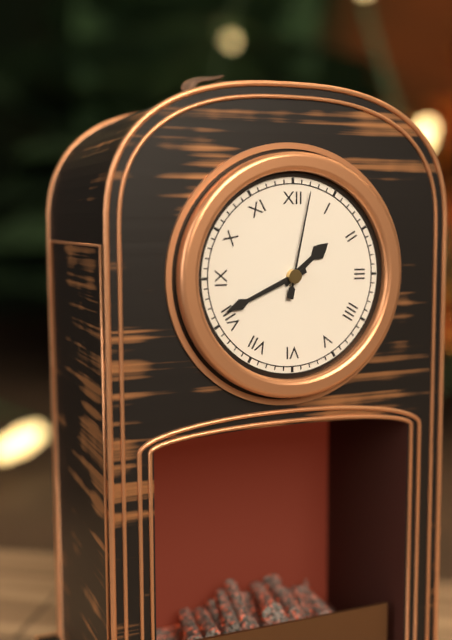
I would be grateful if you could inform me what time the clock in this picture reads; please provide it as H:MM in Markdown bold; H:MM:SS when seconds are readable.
**1:41:02**
